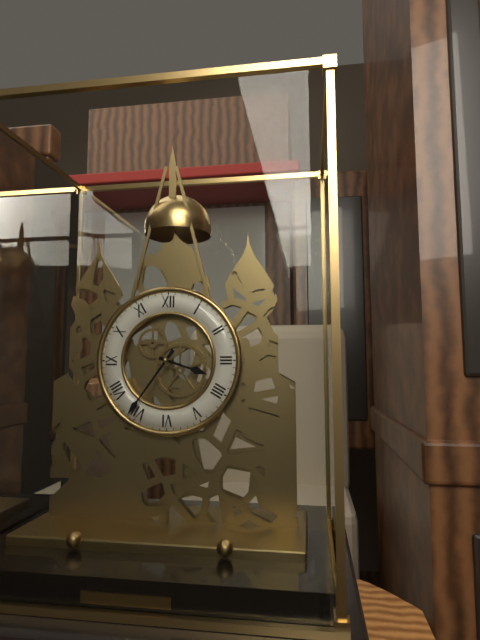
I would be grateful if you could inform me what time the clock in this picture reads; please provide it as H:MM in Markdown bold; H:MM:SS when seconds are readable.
**3:36**
